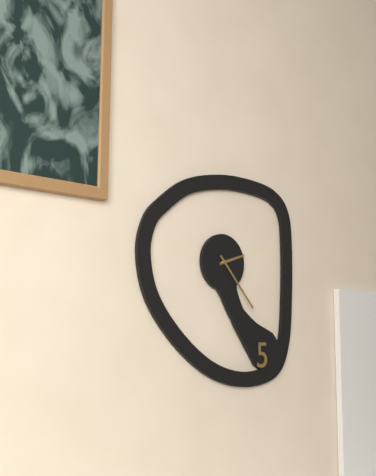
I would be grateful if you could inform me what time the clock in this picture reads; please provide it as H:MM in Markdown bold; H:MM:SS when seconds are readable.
**2:23**
